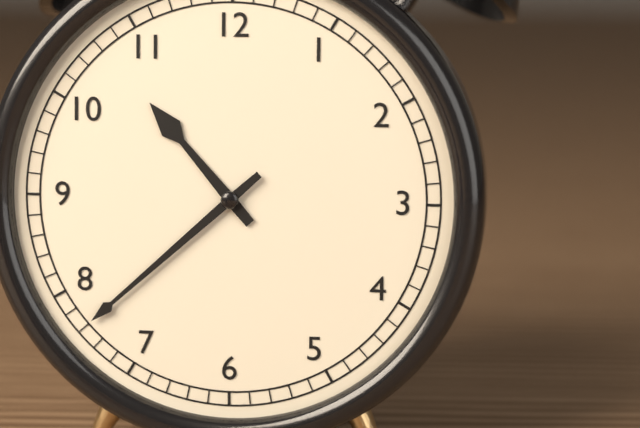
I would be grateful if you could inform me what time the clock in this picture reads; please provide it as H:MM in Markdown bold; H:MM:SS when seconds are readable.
**10:38**
